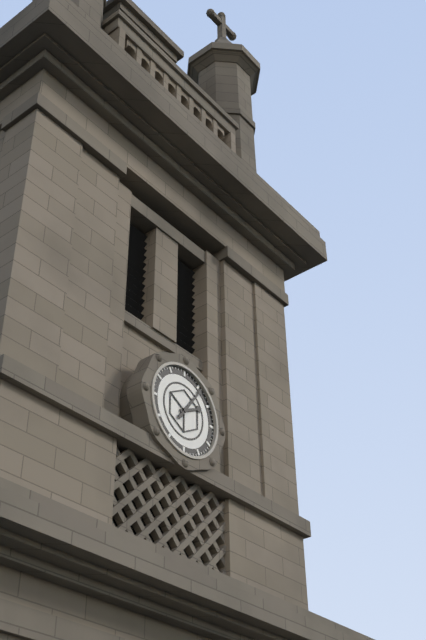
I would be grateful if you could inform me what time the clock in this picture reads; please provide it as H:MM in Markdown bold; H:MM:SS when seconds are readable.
**2:06**
